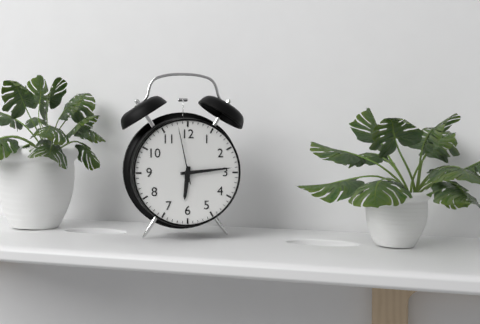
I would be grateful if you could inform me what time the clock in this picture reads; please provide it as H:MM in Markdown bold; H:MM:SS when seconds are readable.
**6:14:58**
